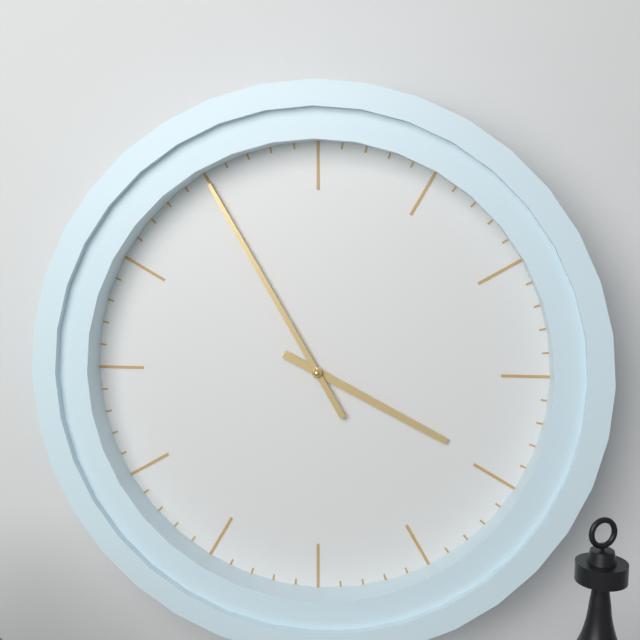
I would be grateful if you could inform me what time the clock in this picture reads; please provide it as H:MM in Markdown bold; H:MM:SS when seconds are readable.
**3:55**
